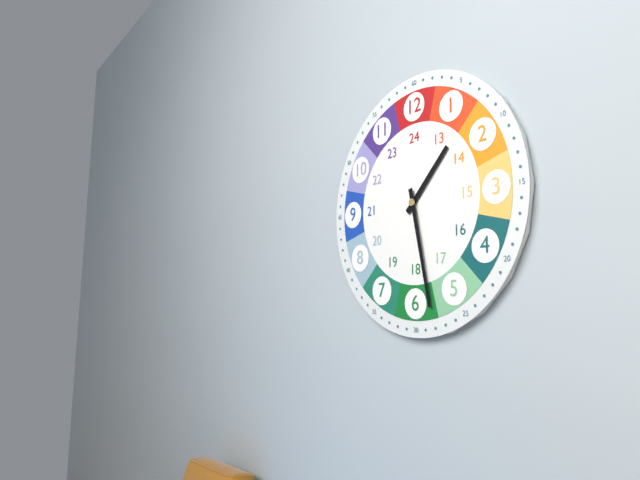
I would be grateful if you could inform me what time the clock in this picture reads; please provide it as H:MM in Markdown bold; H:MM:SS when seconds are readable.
**1:28**
